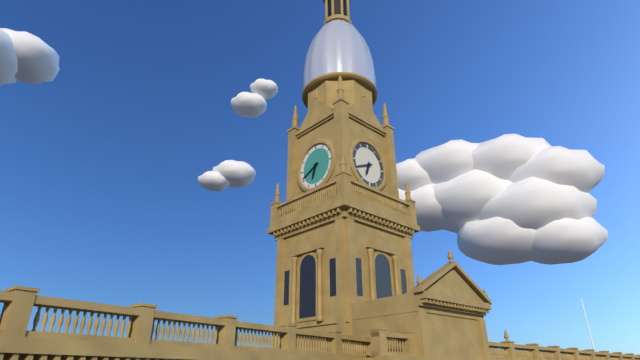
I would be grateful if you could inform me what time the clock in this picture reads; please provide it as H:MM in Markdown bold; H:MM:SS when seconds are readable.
**6:41**
